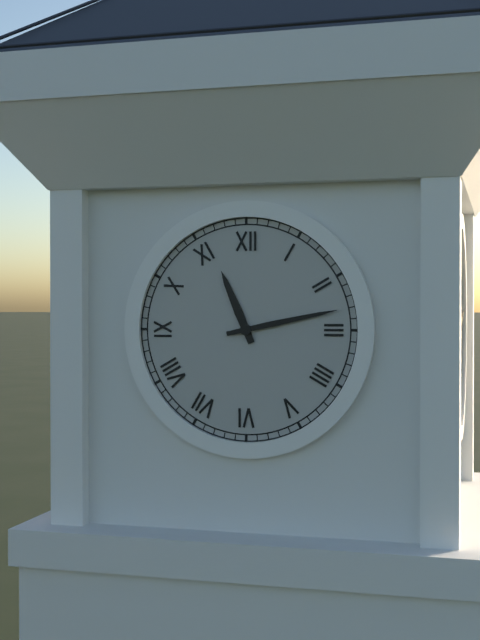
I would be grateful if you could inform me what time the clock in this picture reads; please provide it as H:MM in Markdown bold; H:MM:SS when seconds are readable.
**11:13**
